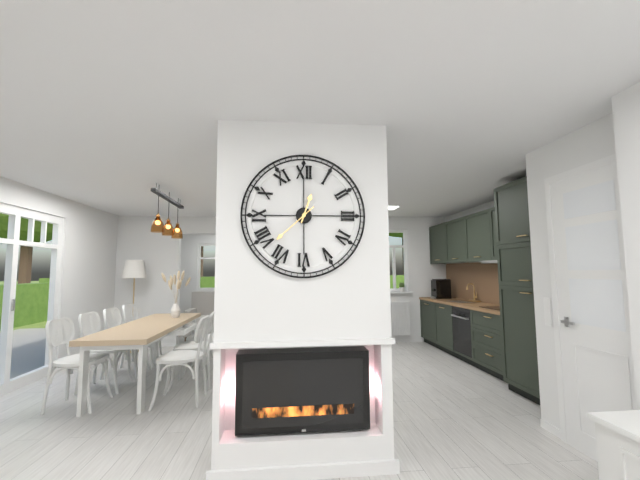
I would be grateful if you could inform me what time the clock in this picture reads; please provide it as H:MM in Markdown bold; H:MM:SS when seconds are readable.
**12:38**
